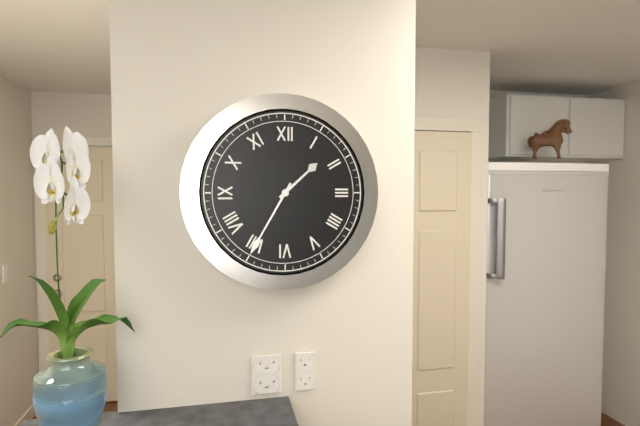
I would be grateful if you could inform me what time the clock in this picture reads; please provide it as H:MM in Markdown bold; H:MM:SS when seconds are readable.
**1:35**
